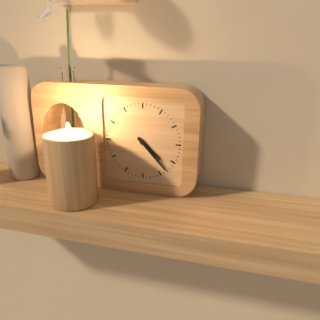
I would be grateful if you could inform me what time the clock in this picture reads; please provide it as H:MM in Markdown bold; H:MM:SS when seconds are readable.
**4:23**
